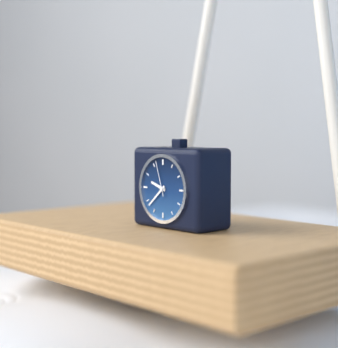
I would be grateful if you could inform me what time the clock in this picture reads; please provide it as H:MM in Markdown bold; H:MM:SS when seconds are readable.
**9:38**
